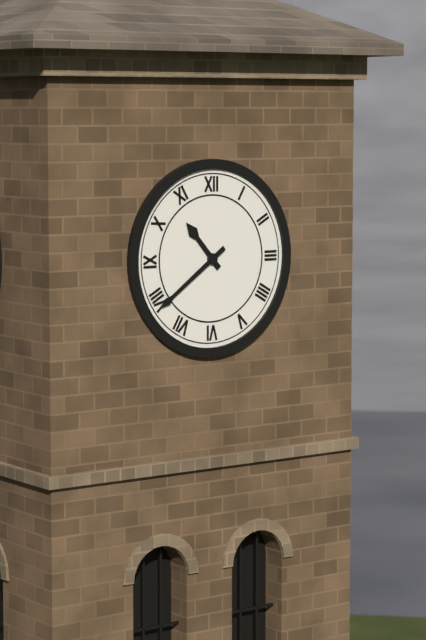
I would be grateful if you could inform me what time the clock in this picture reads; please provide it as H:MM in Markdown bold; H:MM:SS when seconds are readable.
**10:39**
